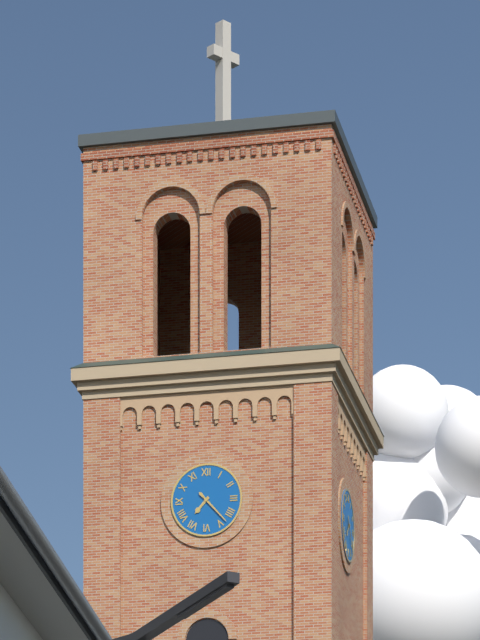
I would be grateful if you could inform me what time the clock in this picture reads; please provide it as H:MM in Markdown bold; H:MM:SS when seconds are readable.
**7:23**
